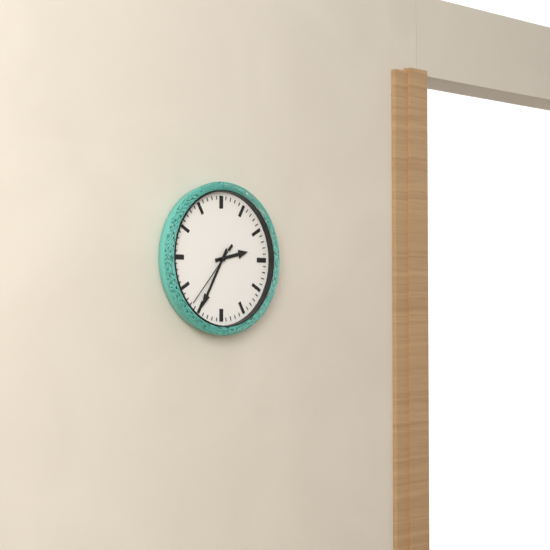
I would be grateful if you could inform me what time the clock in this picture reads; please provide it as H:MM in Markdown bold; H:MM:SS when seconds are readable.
**2:35:37**
